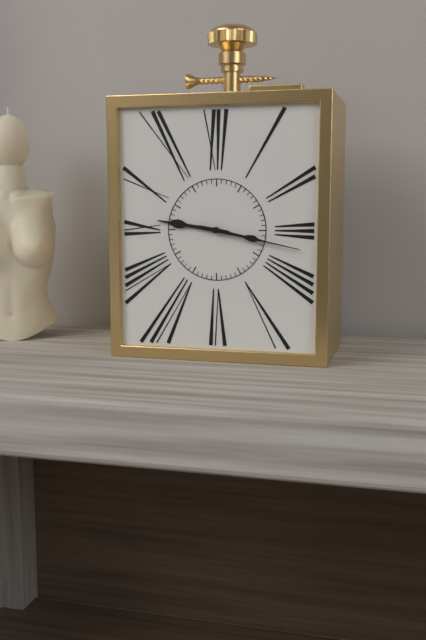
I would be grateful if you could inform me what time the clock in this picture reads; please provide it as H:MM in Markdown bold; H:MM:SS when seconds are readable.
**9:17**
